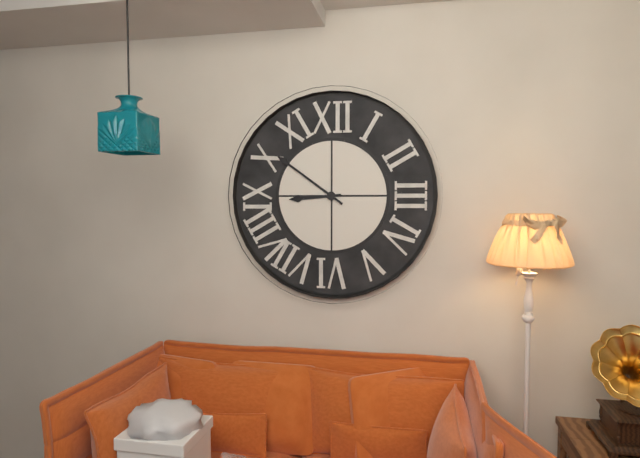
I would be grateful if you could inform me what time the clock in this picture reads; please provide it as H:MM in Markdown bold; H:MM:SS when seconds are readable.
**8:51**
